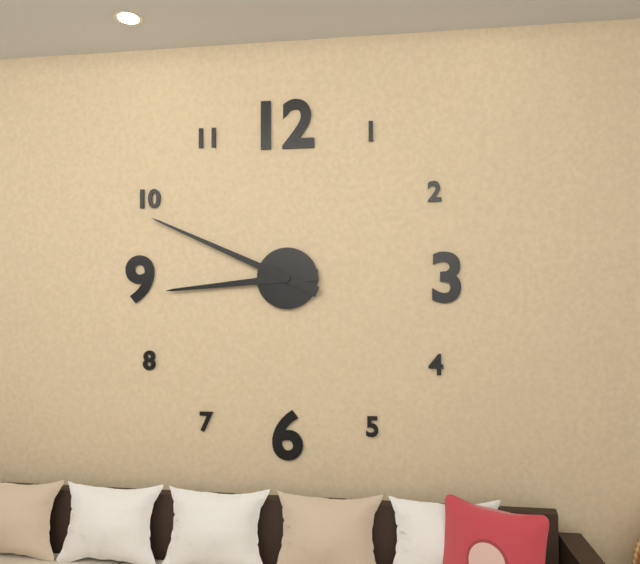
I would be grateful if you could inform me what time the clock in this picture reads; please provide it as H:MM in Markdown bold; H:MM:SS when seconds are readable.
**8:49**
